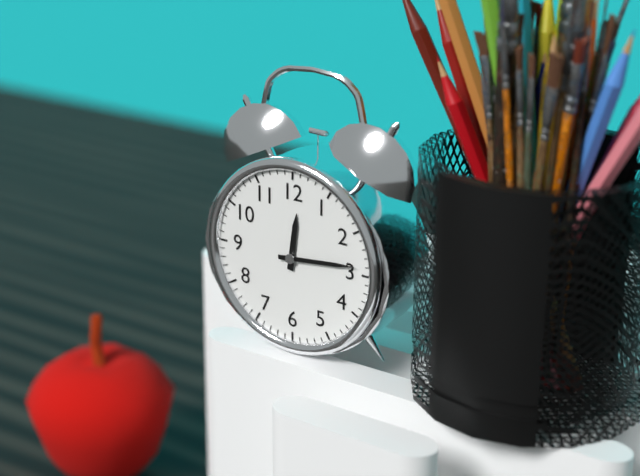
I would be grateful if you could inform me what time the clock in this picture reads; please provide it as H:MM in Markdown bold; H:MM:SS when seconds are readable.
**12:14**
